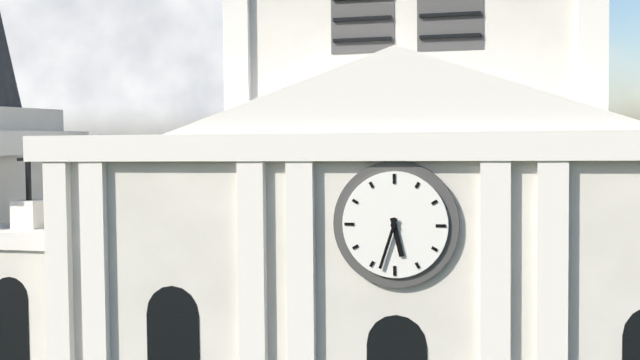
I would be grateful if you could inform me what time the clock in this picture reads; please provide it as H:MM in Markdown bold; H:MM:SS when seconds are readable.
**5:33**
